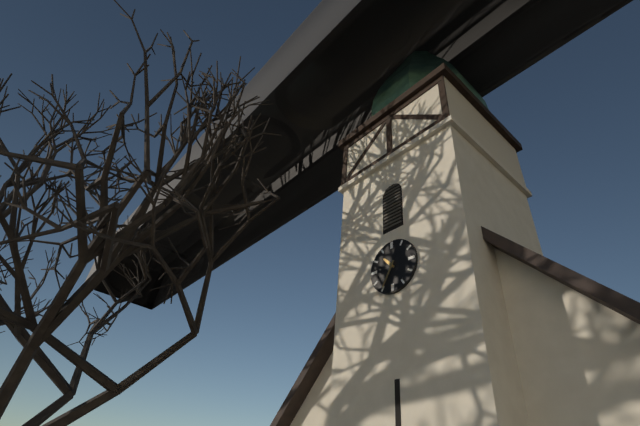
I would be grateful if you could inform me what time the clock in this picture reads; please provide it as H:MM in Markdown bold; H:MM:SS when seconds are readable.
**10:35**
